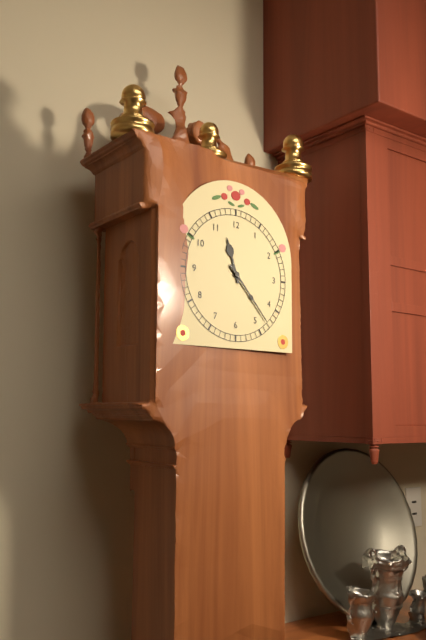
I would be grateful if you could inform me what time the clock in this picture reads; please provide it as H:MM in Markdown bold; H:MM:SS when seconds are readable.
**11:23**
